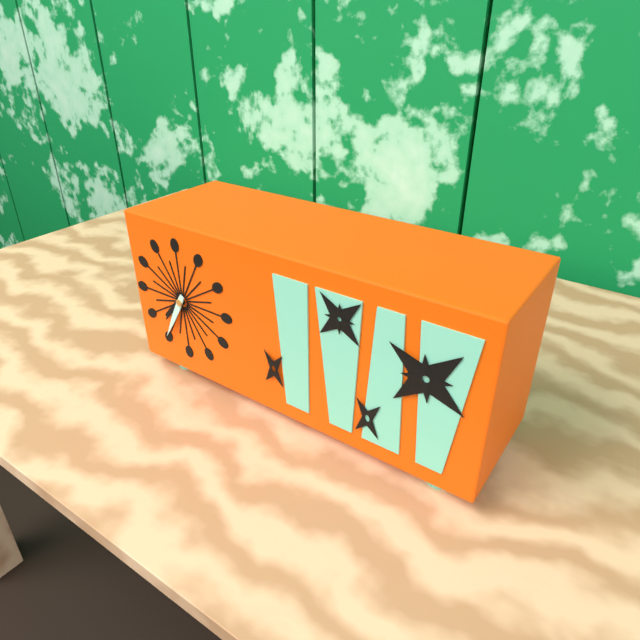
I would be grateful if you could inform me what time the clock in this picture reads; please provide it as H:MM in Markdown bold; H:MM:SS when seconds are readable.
**7:35**
